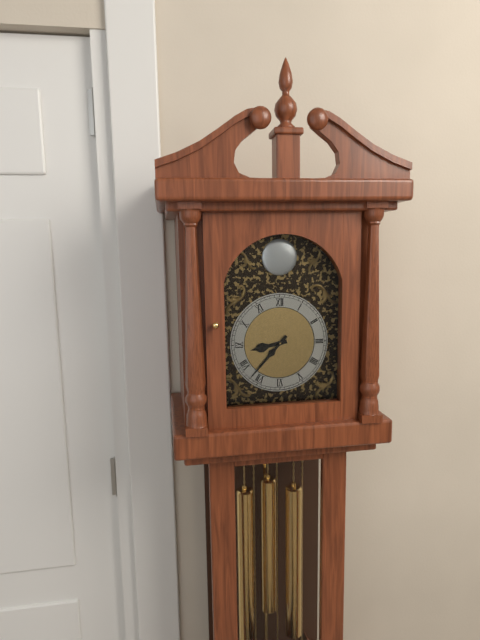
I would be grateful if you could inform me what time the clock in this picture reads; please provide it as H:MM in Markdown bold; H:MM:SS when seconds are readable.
**8:37**
